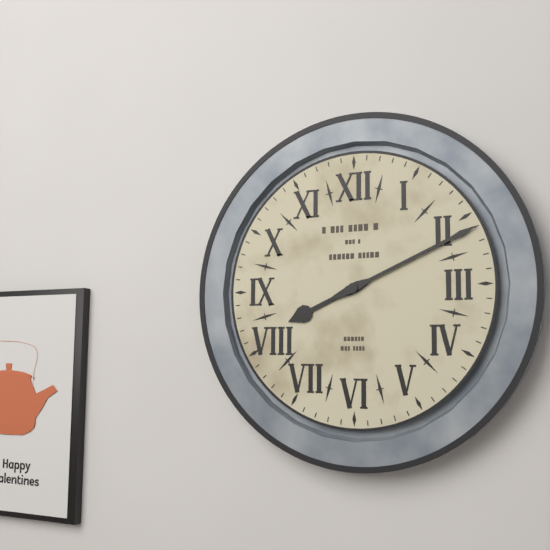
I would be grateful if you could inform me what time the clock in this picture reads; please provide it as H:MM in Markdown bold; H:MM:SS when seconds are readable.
**8:11**
